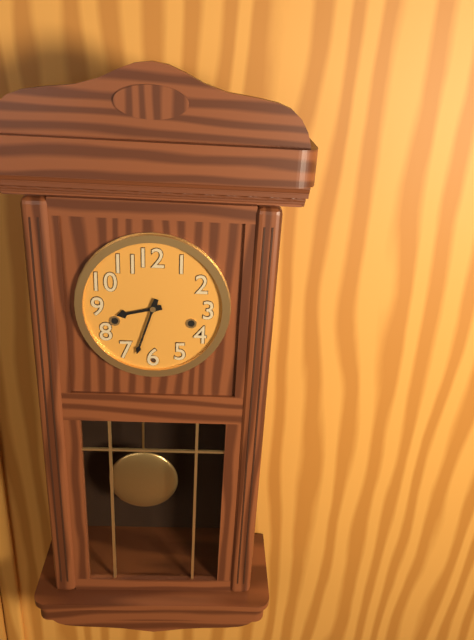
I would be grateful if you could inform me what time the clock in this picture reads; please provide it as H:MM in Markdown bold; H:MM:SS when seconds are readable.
**8:33**
